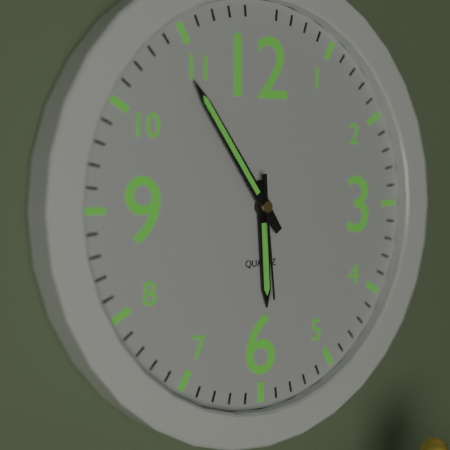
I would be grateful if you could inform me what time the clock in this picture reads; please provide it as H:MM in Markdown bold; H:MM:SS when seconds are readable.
**5:54:29**
